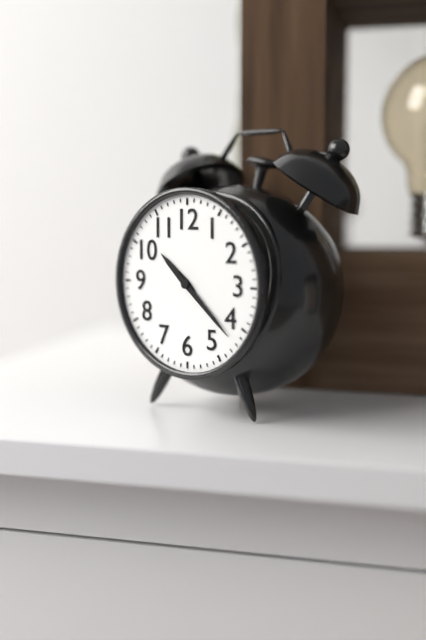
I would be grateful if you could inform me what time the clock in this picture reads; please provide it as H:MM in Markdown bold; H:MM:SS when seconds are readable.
**10:22**
